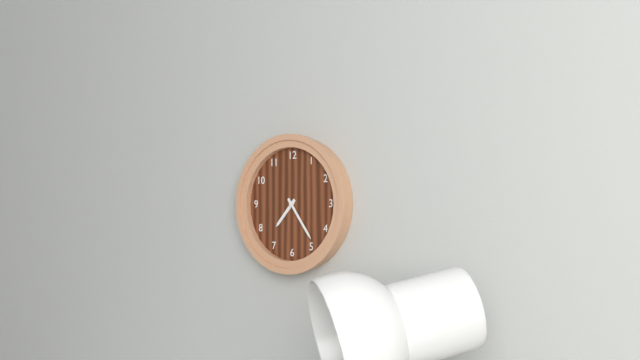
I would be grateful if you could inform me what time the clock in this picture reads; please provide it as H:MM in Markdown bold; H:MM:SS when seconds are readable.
**7:24**
